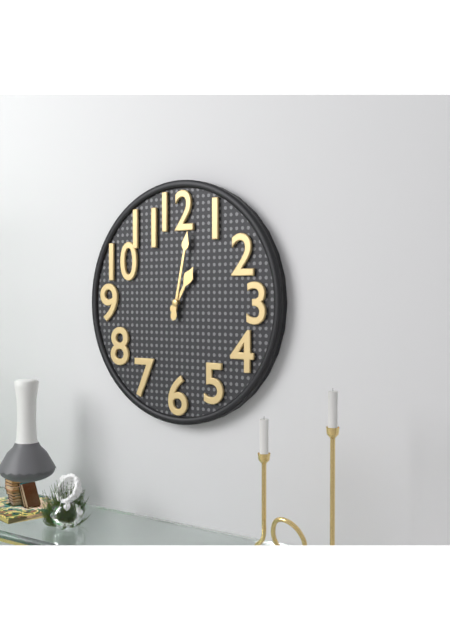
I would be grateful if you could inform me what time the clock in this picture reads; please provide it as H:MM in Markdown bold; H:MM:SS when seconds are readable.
**1:02**
